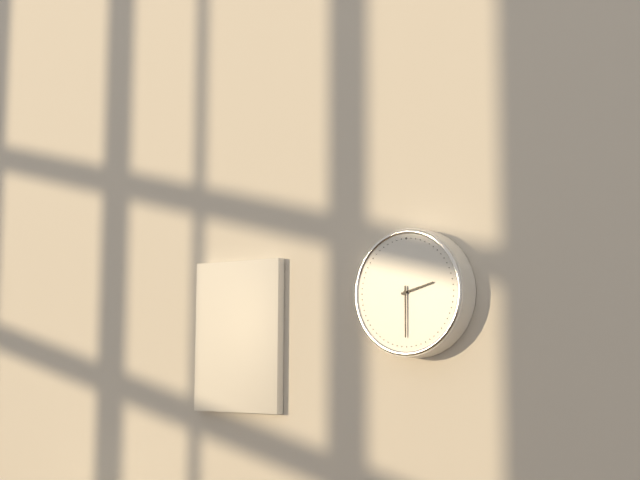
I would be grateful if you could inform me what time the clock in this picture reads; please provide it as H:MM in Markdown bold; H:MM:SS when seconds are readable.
**2:30**
